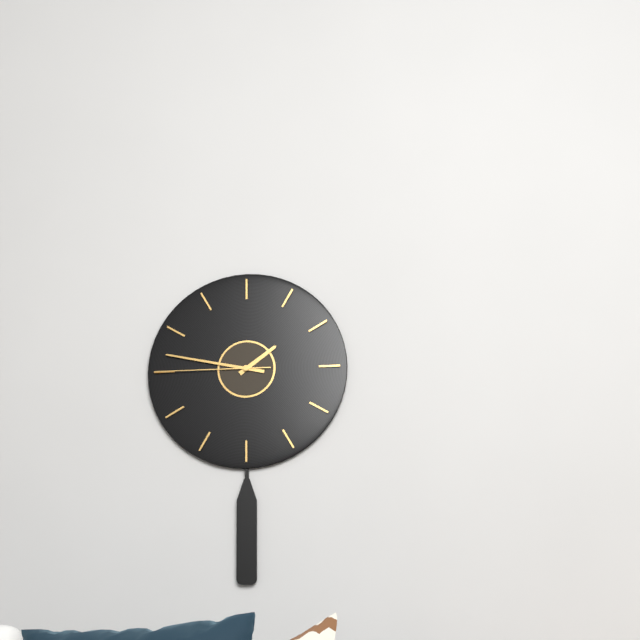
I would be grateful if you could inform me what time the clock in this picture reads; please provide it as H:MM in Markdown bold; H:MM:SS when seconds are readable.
**1:47:45**
